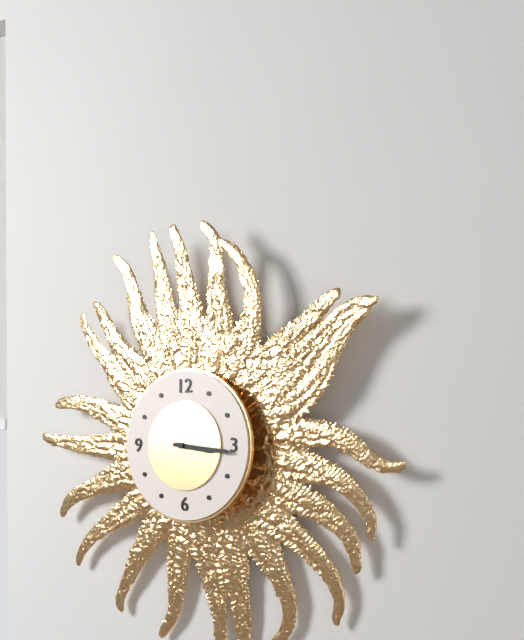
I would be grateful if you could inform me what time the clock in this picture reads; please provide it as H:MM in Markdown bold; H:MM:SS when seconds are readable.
**3:16**
